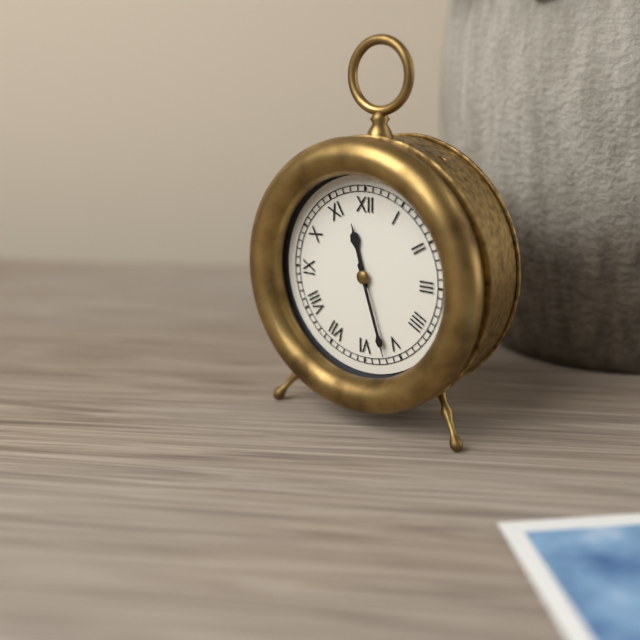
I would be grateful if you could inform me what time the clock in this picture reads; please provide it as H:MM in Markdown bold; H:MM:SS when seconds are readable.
**11:27**
